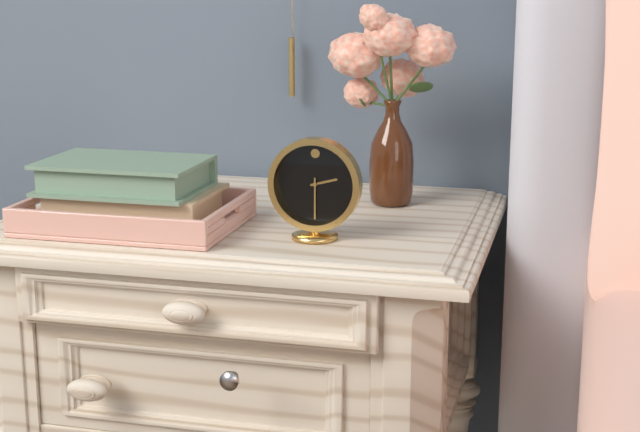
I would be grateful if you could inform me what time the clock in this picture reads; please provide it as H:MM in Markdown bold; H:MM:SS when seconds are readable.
**2:30**
